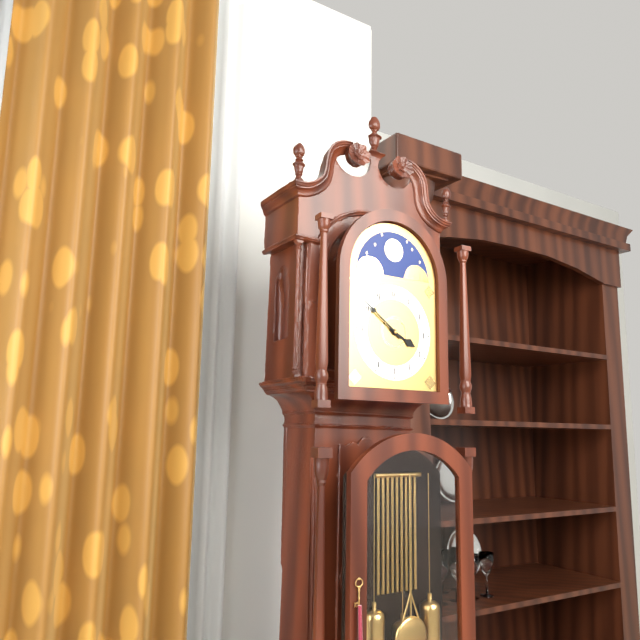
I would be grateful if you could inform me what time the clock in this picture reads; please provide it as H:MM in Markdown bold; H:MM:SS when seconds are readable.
**3:51**
